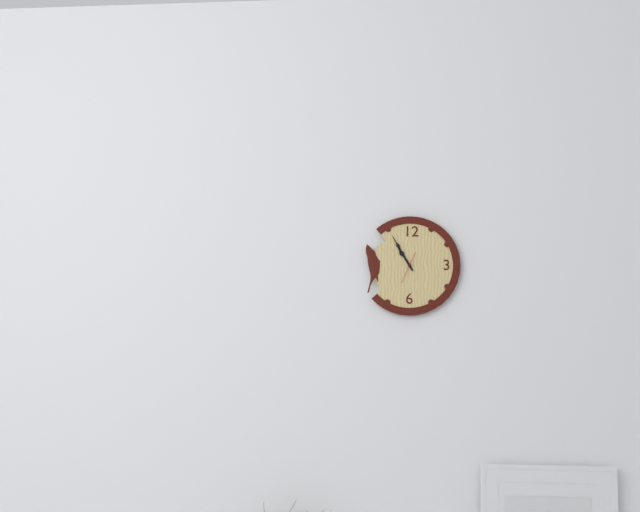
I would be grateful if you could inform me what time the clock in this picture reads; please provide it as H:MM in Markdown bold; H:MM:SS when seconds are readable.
**10:55**
